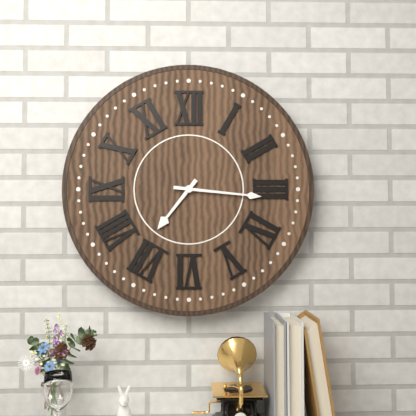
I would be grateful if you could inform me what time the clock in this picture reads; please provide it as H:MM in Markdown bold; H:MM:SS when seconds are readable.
**7:16**
